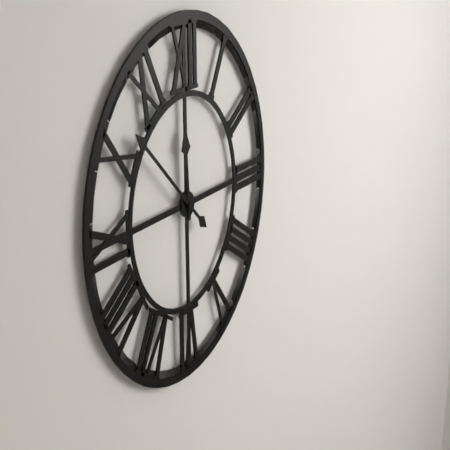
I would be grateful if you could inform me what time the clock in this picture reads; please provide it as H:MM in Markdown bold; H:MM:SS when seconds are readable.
**11:52**
